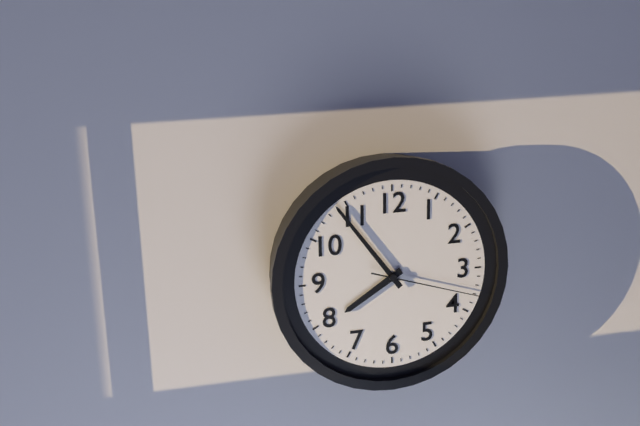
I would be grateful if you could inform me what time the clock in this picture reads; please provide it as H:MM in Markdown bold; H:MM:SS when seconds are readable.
**7:54:18**
